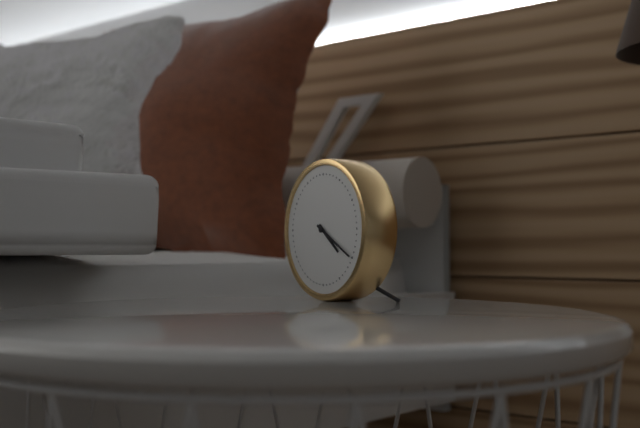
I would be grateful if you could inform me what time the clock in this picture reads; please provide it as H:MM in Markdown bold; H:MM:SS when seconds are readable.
**4:20**
